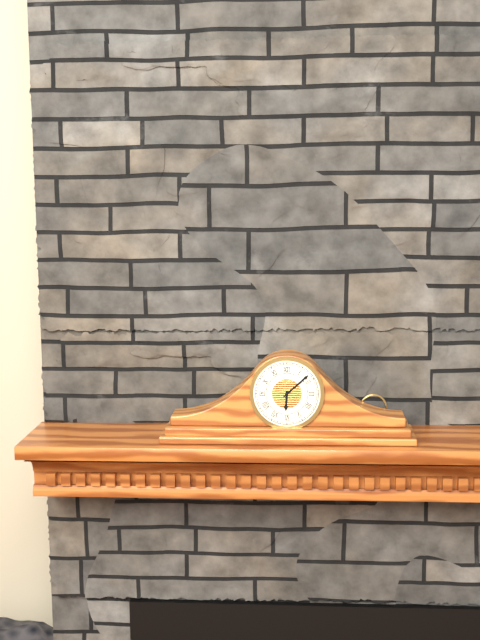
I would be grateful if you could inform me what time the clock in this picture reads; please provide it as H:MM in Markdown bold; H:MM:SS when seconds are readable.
**6:08**
